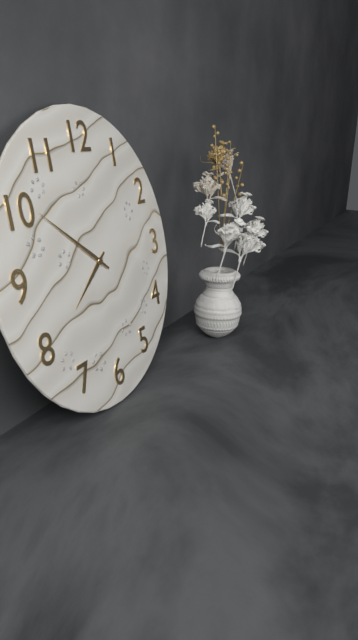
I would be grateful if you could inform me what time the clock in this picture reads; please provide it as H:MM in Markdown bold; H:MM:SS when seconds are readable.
**7:51**
